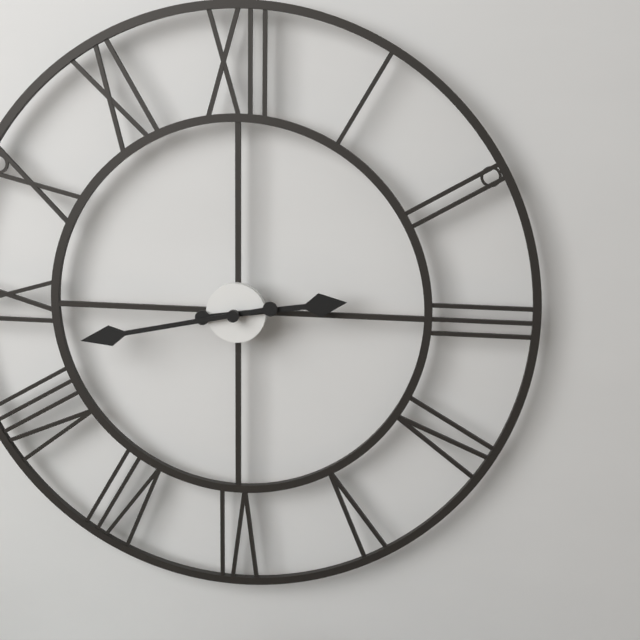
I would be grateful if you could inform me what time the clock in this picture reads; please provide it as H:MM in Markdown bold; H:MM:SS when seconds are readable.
**2:43**
